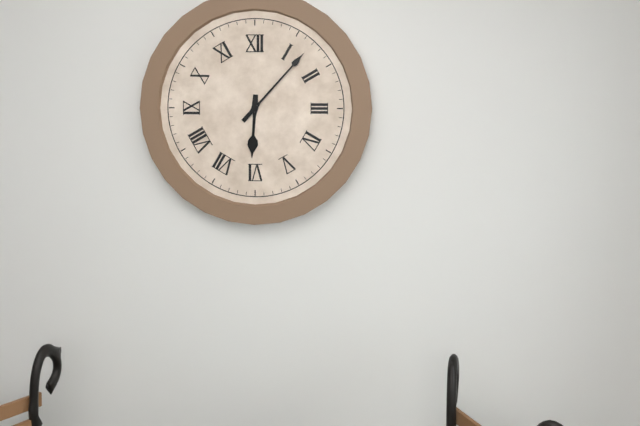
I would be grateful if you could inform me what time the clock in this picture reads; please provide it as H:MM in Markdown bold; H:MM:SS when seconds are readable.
**6:07**
